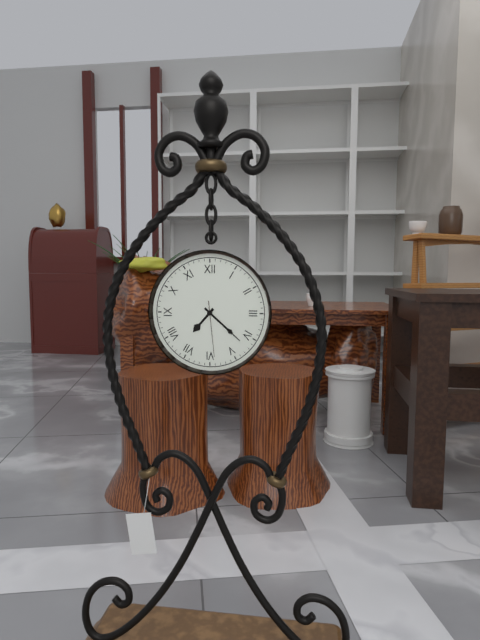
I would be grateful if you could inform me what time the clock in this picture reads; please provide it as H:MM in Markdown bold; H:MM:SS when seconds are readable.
**7:22:29**
